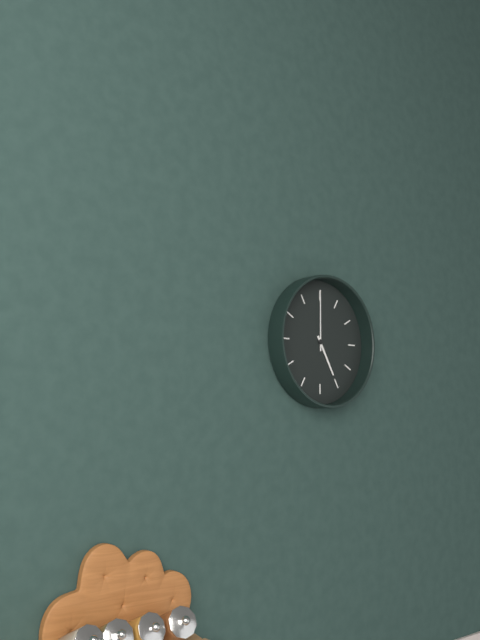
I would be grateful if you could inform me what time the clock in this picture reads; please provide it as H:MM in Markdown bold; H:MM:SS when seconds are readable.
**5:00**
